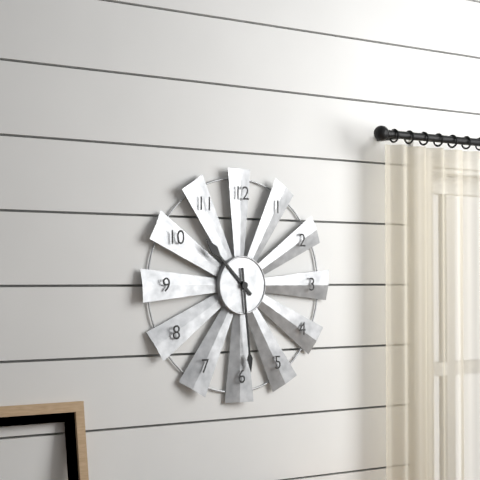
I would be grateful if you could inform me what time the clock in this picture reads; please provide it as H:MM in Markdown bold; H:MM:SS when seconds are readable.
**10:29**
